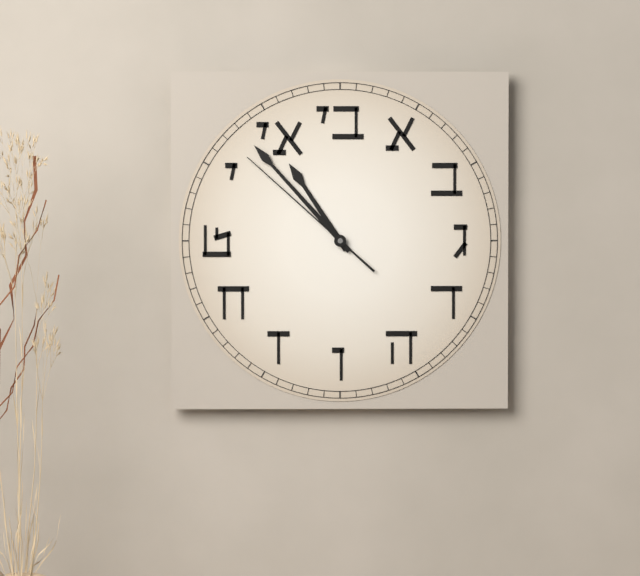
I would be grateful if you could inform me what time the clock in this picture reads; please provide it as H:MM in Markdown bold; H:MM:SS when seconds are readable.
**10:53:52**
